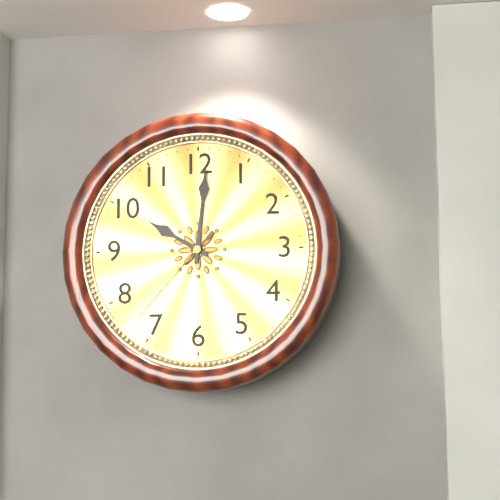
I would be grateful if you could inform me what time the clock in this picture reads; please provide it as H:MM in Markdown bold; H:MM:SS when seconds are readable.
**10:01:37**
